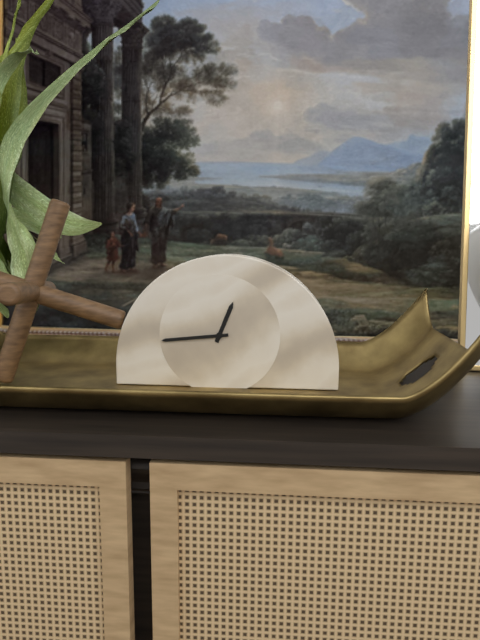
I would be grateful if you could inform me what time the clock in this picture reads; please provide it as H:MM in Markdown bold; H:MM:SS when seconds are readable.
**12:44**
